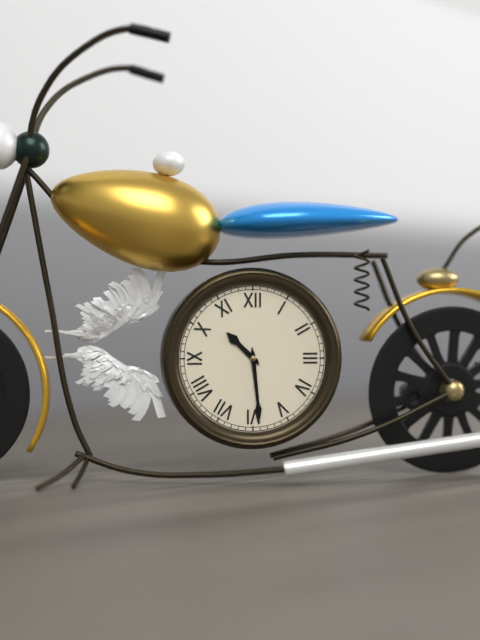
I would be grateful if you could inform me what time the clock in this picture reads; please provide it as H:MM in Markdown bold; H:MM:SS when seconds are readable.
**10:29**
